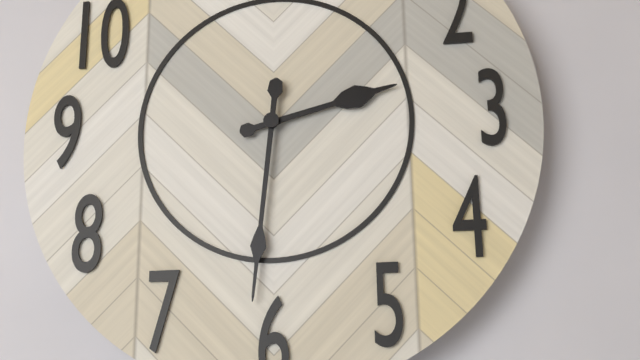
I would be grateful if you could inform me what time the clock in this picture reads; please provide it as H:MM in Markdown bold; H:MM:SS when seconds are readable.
**2:31**
